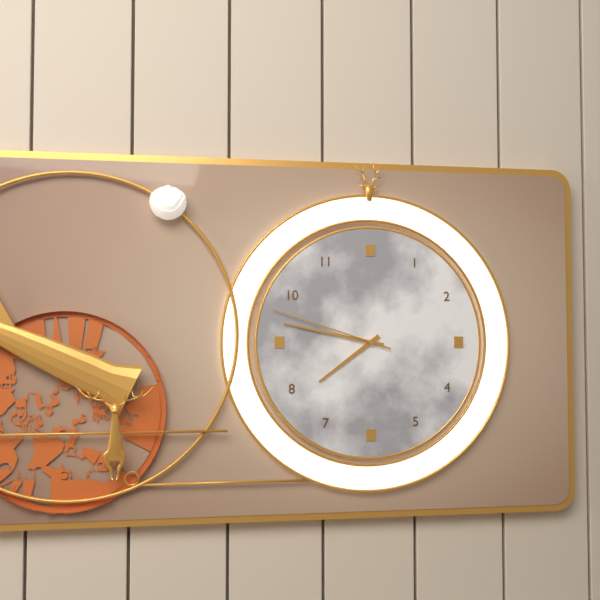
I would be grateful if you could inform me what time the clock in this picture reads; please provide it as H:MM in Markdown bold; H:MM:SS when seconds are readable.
**7:47:48**
